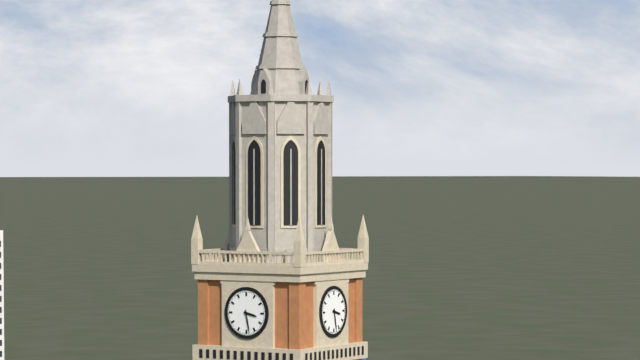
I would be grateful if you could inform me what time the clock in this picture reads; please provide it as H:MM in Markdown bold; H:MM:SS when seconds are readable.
**3:28**
